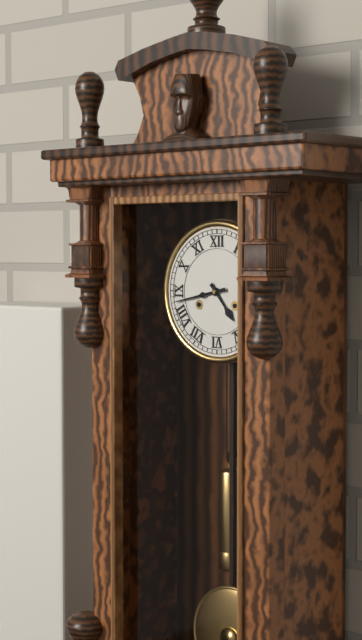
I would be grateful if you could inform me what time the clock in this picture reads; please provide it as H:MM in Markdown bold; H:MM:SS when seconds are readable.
**4:43**
